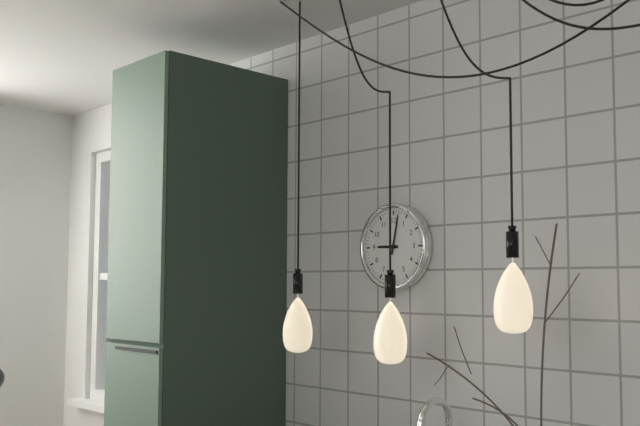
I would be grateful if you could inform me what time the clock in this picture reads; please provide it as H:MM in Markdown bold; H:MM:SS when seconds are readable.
**9:02**
